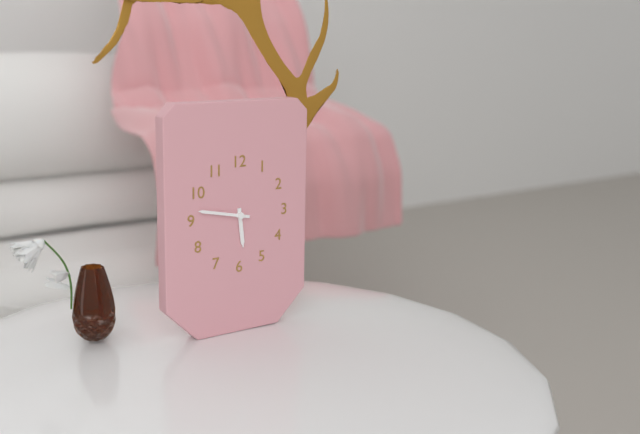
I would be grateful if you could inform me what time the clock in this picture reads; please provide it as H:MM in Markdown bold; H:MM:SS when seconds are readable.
**5:47**
